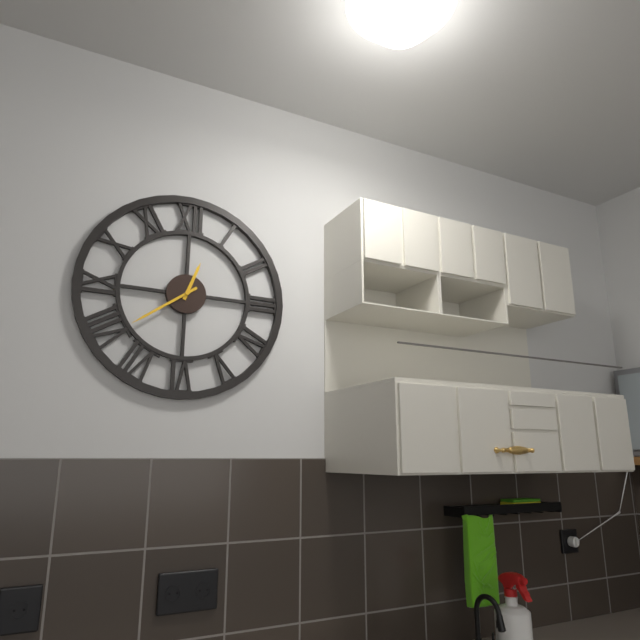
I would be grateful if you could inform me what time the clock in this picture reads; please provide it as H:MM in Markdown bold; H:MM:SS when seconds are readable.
**12:39**
